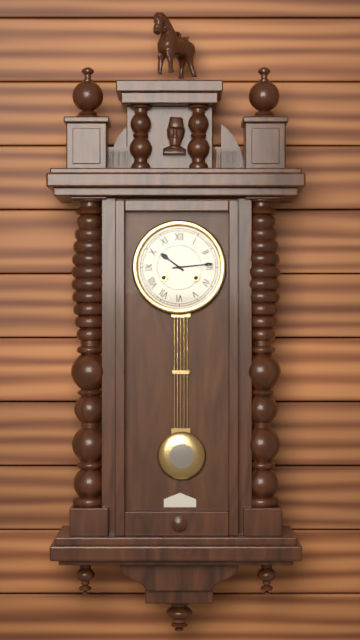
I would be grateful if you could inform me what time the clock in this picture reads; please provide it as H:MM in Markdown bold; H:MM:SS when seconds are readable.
**10:14**
